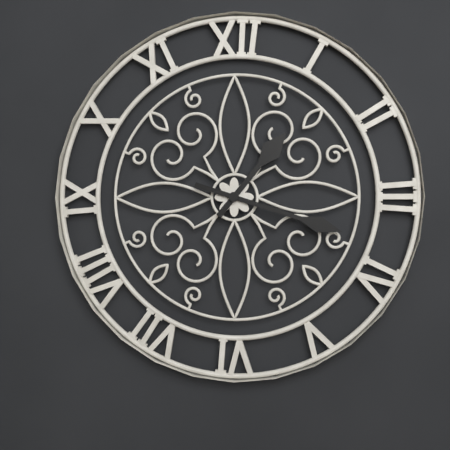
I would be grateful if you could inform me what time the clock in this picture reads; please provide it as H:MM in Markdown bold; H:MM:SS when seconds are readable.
**1:18**
